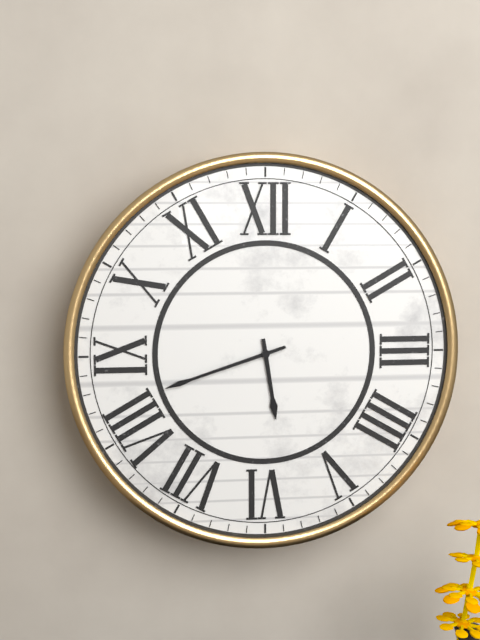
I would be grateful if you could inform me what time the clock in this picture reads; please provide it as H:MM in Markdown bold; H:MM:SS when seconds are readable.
**5:42**
